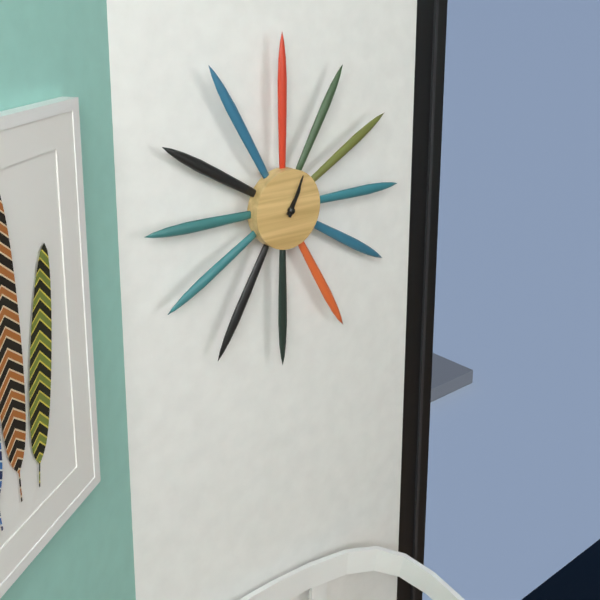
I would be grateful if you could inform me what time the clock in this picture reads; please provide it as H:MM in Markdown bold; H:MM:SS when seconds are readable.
**1:04**
